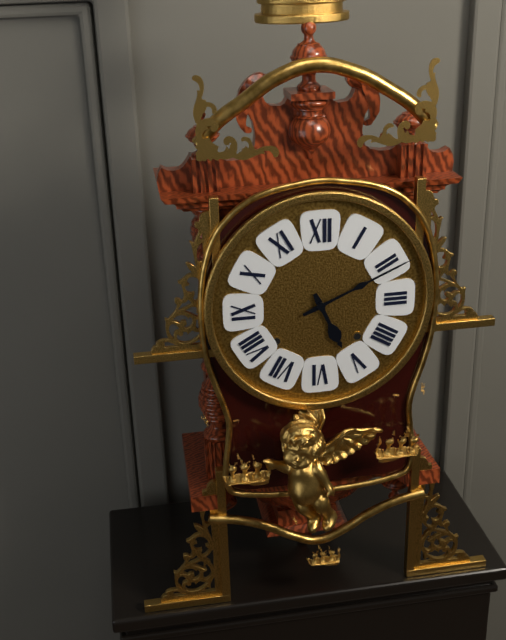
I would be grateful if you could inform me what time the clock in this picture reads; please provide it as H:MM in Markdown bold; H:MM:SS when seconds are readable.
**5:11**
